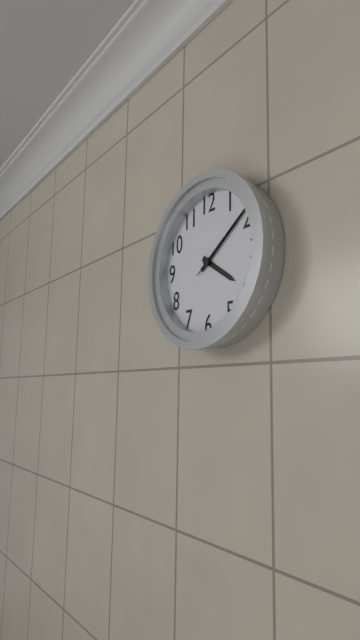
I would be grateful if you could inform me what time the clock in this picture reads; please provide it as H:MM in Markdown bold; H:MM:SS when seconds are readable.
**4:09:09**
